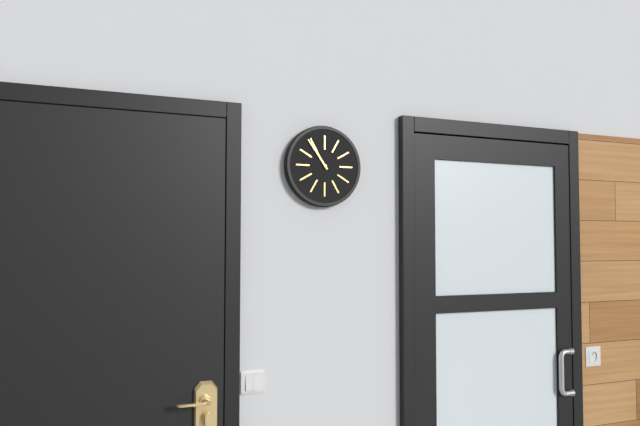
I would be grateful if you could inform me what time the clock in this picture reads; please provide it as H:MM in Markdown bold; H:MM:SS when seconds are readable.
**10:54**
